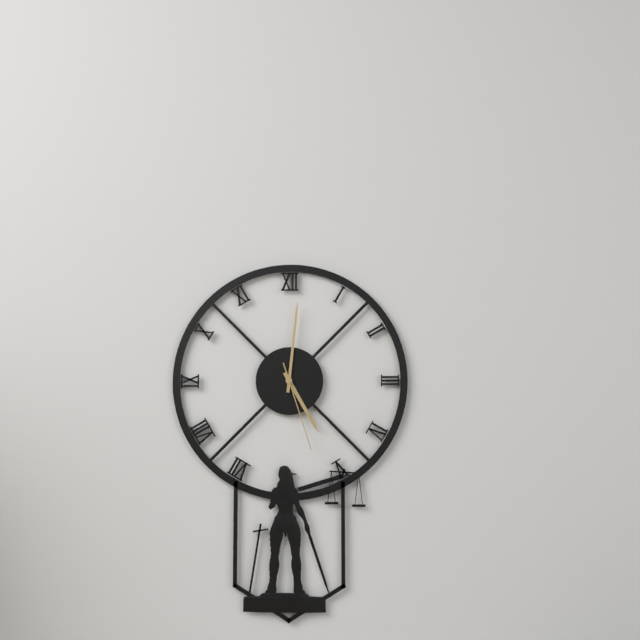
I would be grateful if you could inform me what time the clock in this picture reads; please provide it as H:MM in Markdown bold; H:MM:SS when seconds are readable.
**5:01:27**
